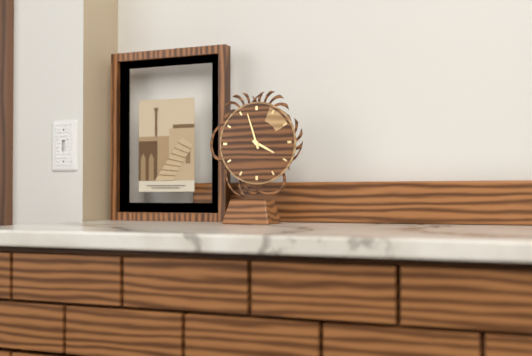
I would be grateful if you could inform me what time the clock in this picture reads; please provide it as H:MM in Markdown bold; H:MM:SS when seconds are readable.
**3:57**
